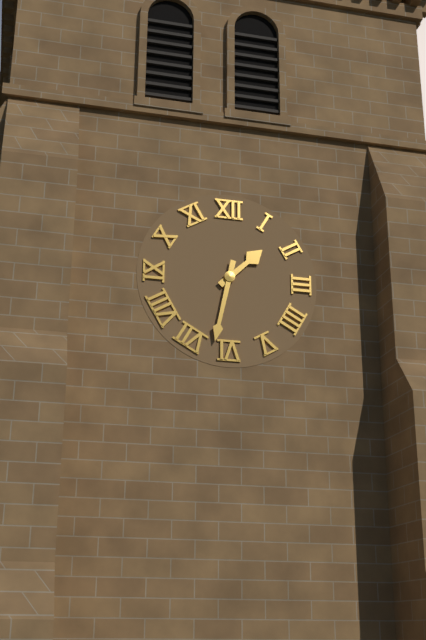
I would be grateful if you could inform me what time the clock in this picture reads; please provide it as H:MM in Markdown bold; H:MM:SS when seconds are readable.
**1:32**
